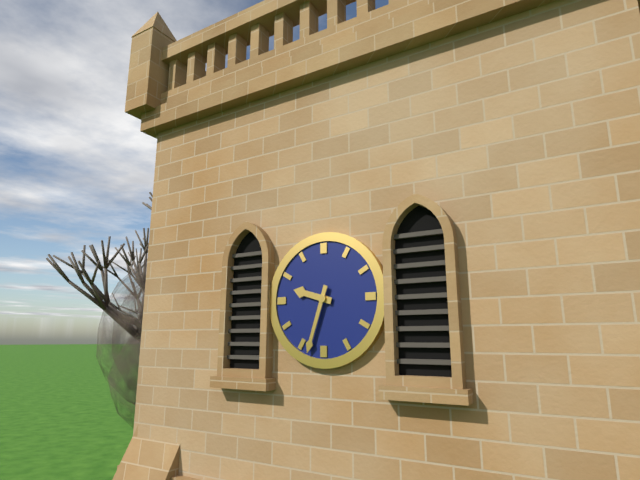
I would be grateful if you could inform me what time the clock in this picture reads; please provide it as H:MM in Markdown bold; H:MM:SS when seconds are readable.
**9:33**
